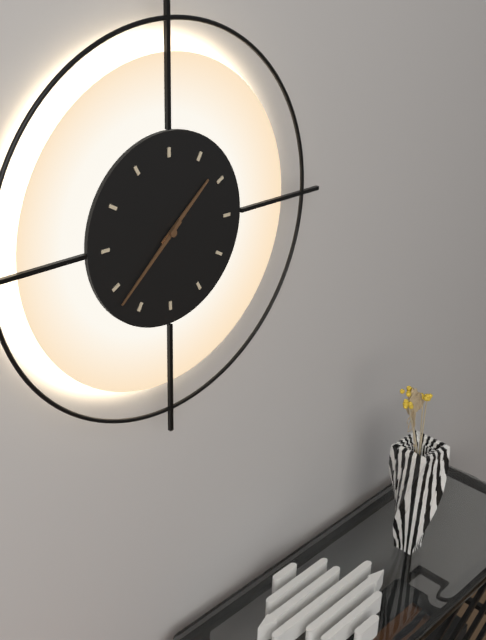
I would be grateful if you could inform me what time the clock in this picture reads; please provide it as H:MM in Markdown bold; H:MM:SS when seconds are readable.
**1:38**
